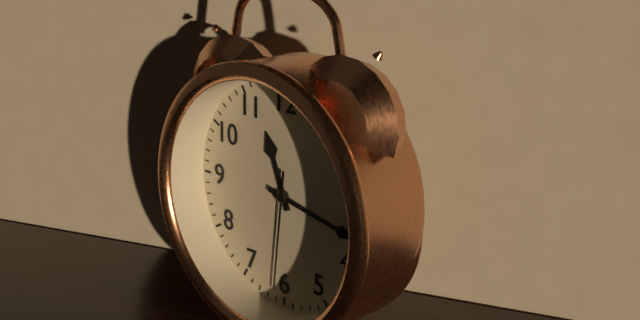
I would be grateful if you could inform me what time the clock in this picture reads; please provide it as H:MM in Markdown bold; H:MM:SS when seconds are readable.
**11:17:31**
